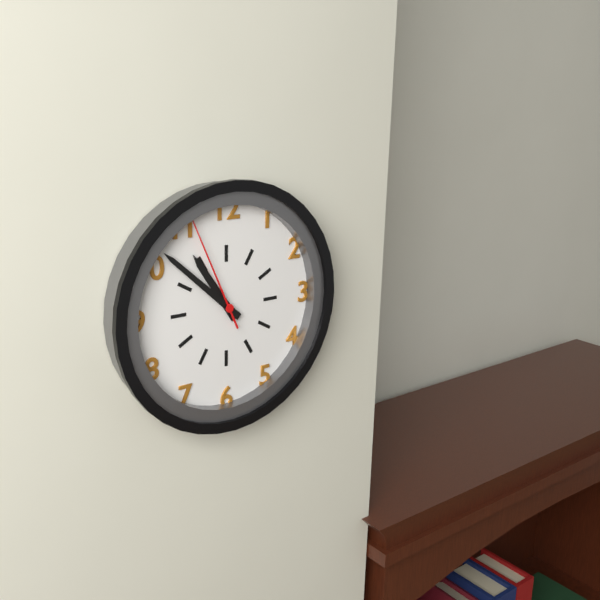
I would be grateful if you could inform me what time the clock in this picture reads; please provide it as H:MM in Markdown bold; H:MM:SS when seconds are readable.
**10:52:56**
